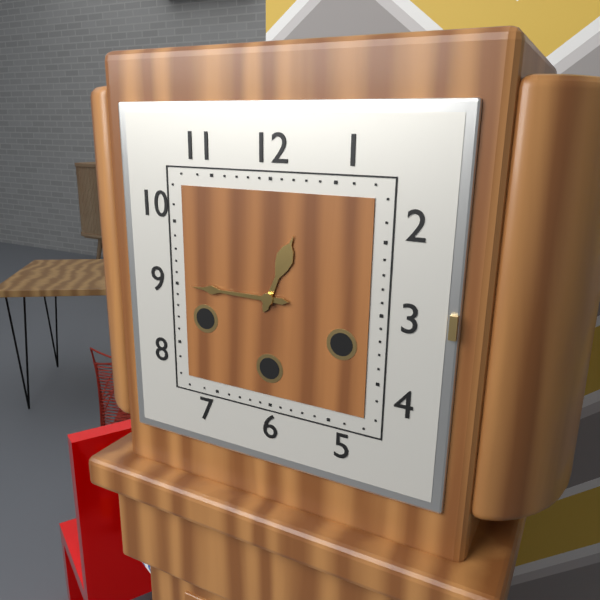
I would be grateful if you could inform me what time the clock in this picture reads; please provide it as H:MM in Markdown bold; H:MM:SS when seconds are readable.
**12:45**
